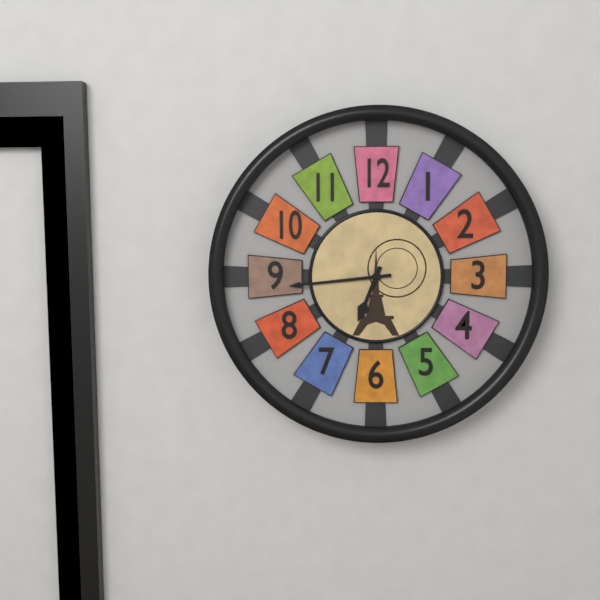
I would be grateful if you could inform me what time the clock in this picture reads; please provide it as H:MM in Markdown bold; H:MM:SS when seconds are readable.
**6:44**
